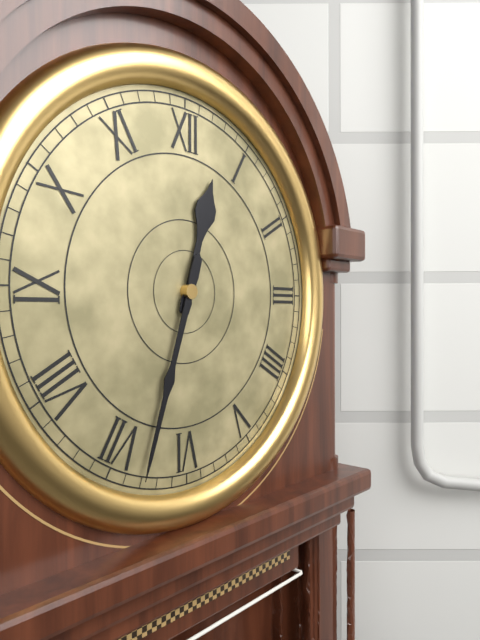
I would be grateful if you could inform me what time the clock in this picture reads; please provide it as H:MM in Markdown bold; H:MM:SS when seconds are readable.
**12:33**
